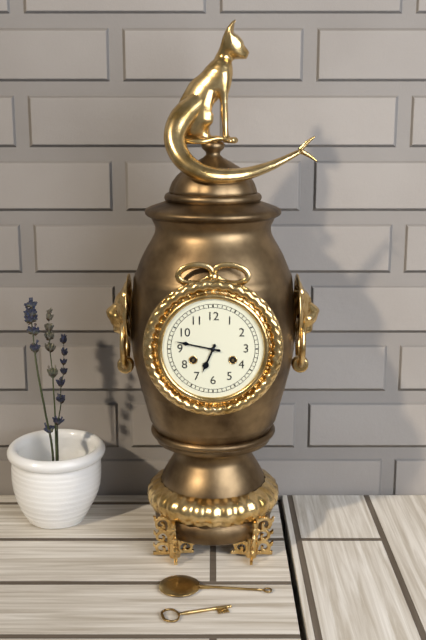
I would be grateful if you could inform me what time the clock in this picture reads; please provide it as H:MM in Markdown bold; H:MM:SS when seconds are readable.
**6:47**
